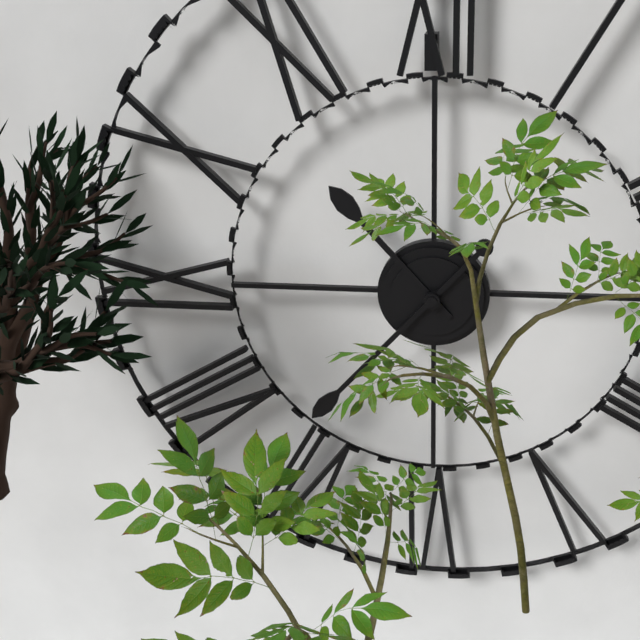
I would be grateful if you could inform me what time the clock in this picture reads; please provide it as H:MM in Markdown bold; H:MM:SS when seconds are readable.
**10:37**
